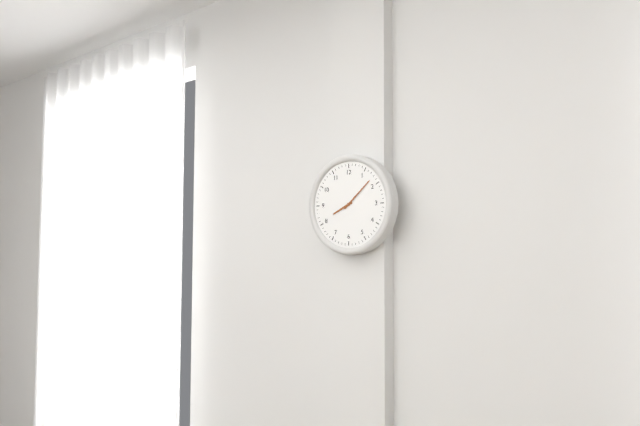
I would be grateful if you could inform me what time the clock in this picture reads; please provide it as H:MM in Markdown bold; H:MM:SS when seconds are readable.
**8:08**
